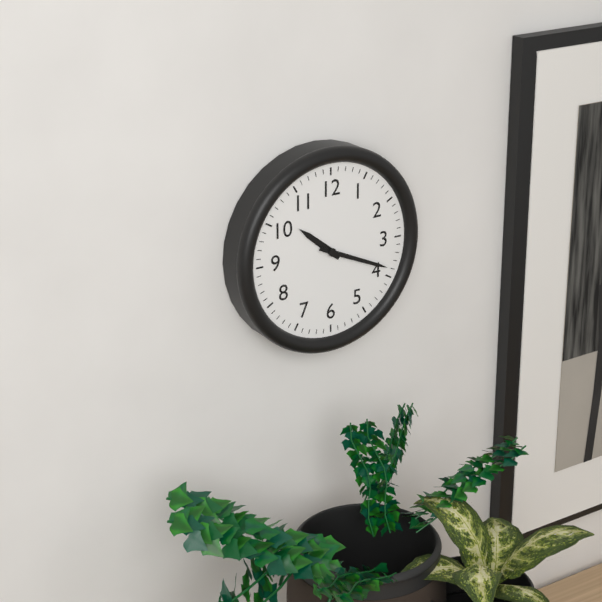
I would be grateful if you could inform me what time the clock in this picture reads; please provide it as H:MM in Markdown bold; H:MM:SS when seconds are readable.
**10:19**
